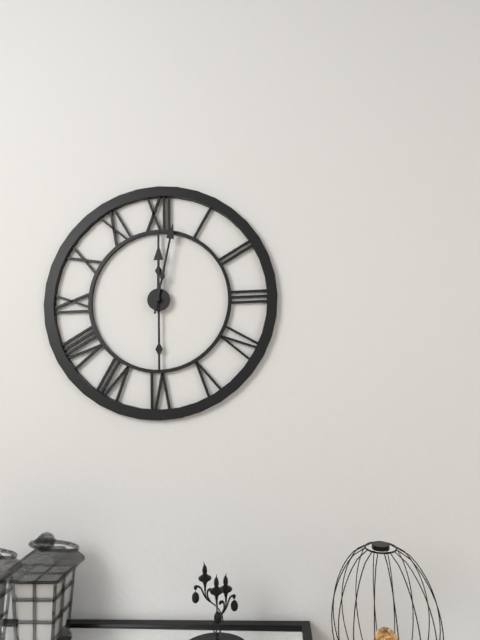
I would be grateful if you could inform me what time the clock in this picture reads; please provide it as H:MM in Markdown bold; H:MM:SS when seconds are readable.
**12:02**
